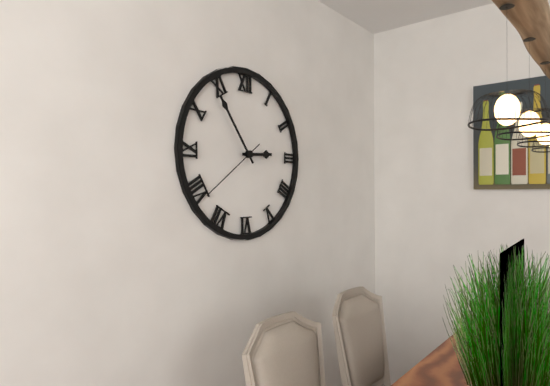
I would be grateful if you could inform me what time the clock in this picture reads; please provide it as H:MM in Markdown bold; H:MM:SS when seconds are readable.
**2:54:39**
